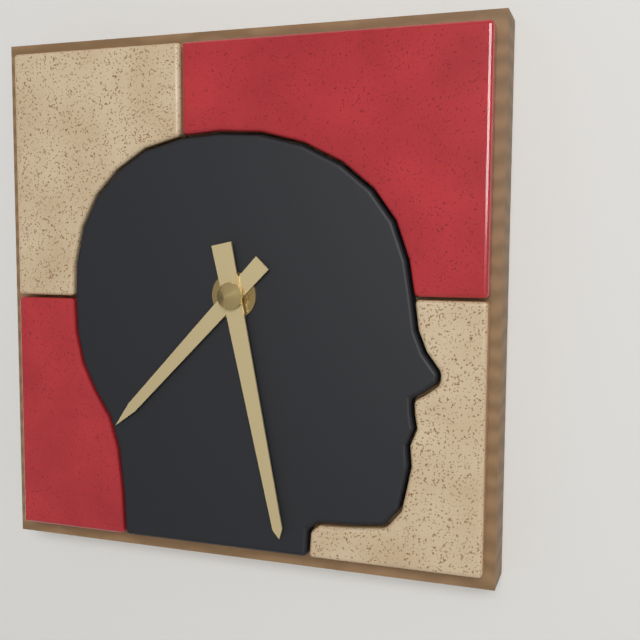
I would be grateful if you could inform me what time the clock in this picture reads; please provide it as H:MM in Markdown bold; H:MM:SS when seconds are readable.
**7:28**
